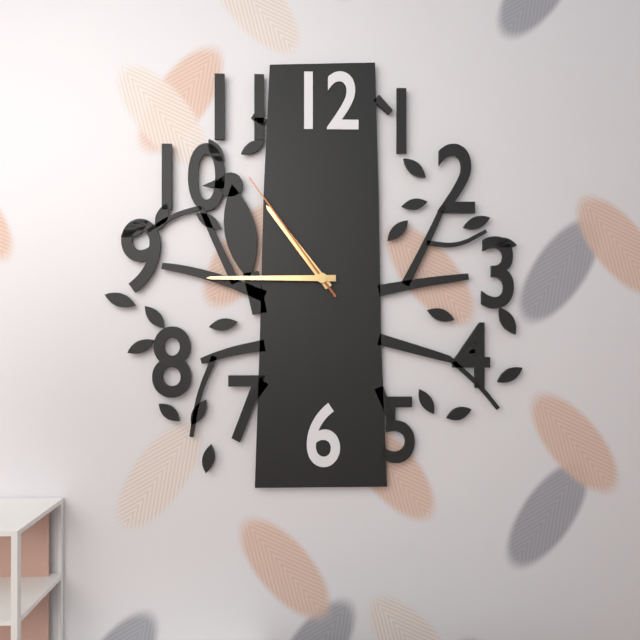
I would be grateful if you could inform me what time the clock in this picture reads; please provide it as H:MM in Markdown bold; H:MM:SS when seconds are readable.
**10:45:54**
